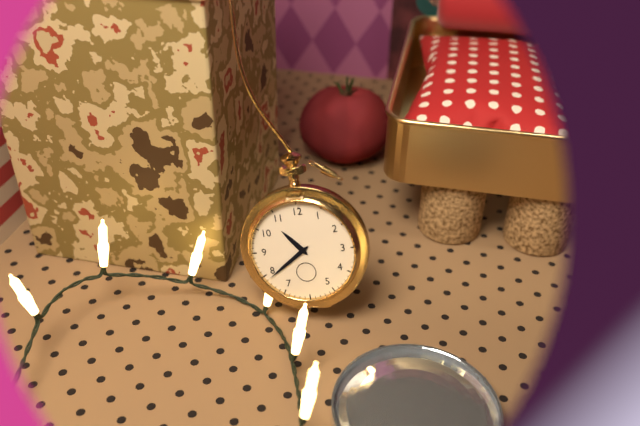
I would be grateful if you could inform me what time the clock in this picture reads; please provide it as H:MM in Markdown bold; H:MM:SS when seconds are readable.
**10:39**
